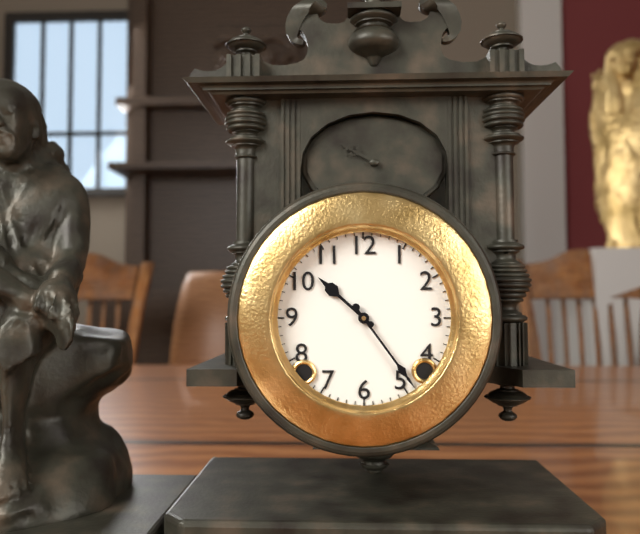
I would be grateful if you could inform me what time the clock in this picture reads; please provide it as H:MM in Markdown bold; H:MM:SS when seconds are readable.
**10:24**
